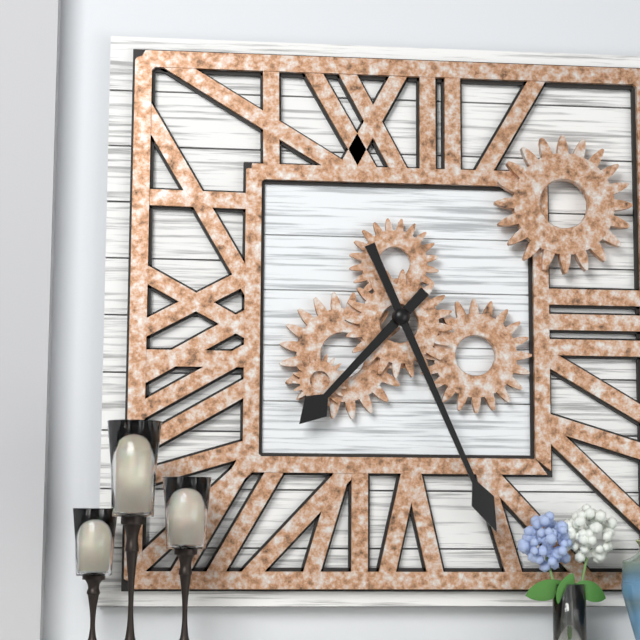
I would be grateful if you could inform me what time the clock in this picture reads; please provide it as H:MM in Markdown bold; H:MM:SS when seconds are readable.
**7:26**
